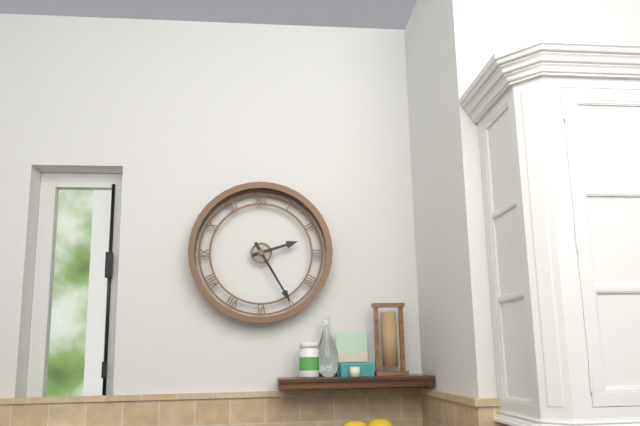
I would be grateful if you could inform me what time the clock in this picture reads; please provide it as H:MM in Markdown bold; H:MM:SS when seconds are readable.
**2:25**
